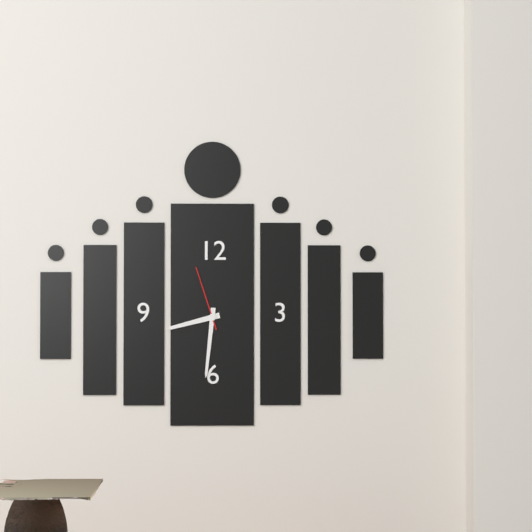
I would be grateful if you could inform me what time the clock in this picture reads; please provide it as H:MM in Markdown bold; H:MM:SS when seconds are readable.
**8:31:57**
